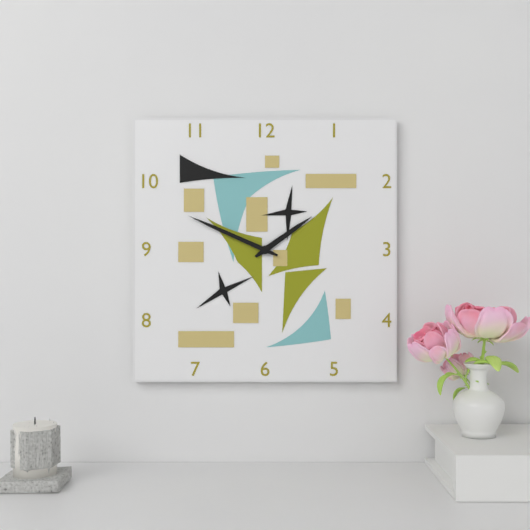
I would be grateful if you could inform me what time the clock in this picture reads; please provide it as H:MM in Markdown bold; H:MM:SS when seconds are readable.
**1:49**
